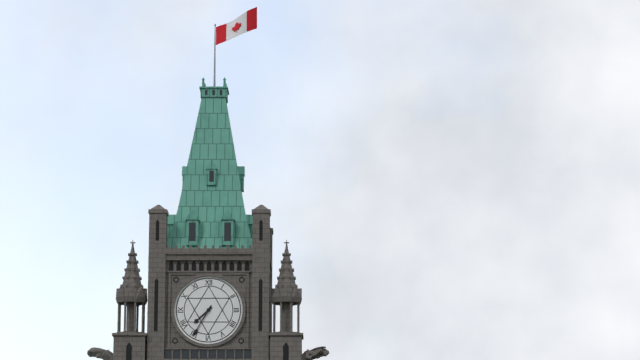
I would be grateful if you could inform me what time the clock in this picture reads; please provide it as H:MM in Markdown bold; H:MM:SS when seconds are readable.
**7:35**
